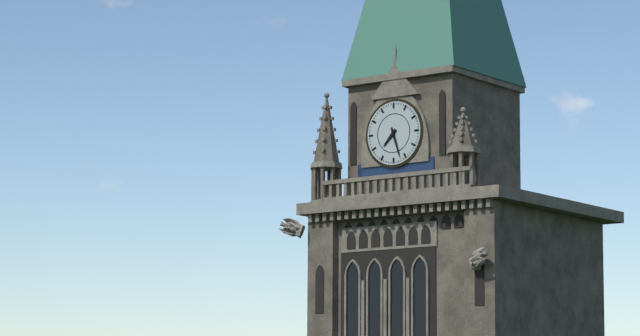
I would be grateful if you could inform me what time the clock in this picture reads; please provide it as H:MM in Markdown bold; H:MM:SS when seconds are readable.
**7:27**
